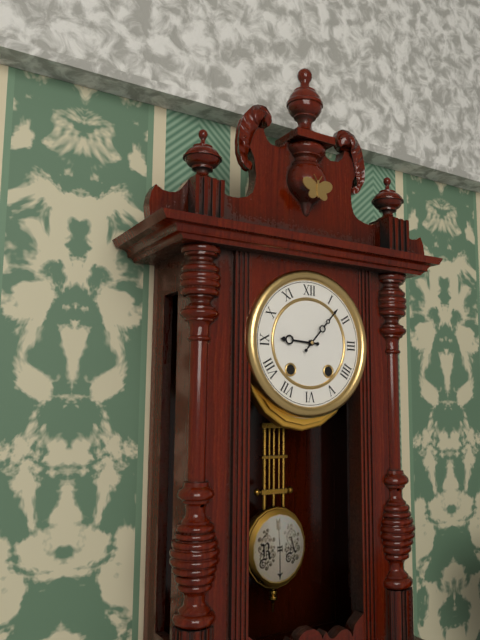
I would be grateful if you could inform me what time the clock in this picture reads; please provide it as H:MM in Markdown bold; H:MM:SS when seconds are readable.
**9:07**
